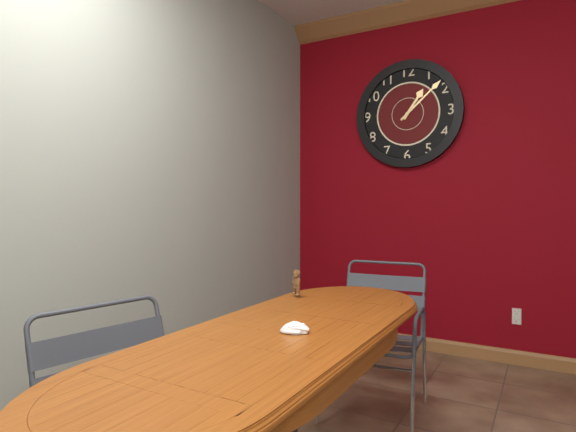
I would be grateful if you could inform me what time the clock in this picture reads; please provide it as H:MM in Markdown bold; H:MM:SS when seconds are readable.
**1:08**
